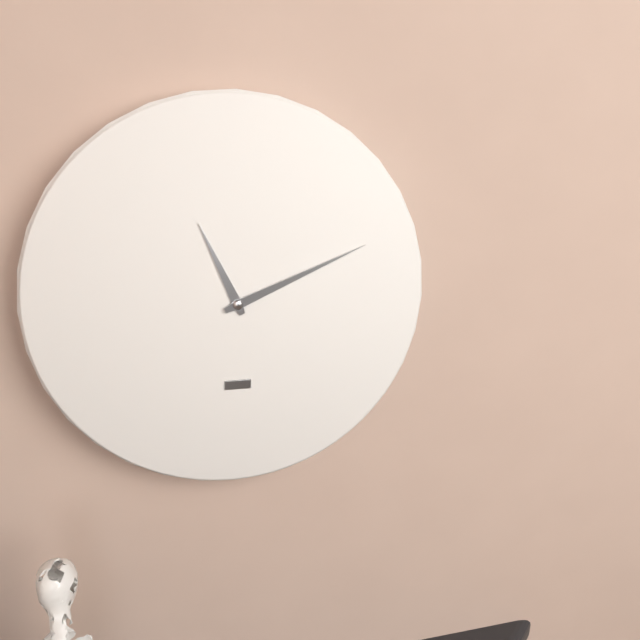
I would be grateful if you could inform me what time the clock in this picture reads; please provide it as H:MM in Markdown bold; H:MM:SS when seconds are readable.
**11:11**
